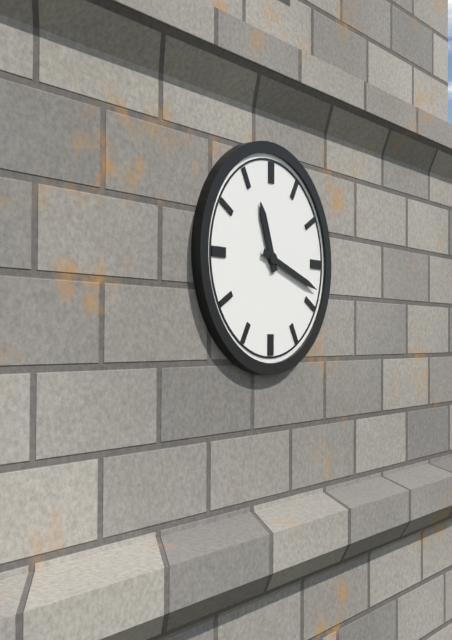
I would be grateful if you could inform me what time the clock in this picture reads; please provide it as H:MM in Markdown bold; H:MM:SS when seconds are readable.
**11:18**
